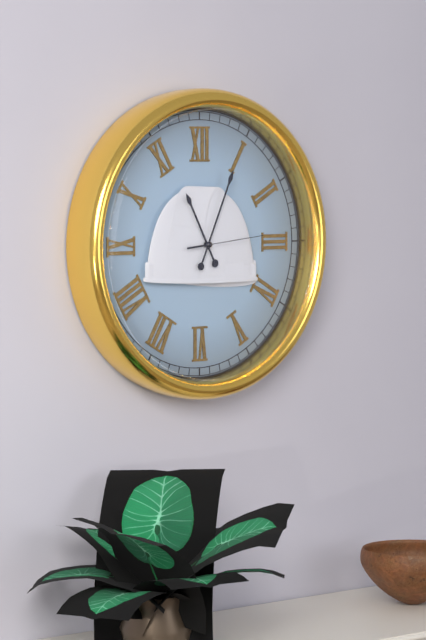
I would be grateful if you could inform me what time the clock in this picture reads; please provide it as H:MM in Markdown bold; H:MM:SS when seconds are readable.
**11:04:14**
